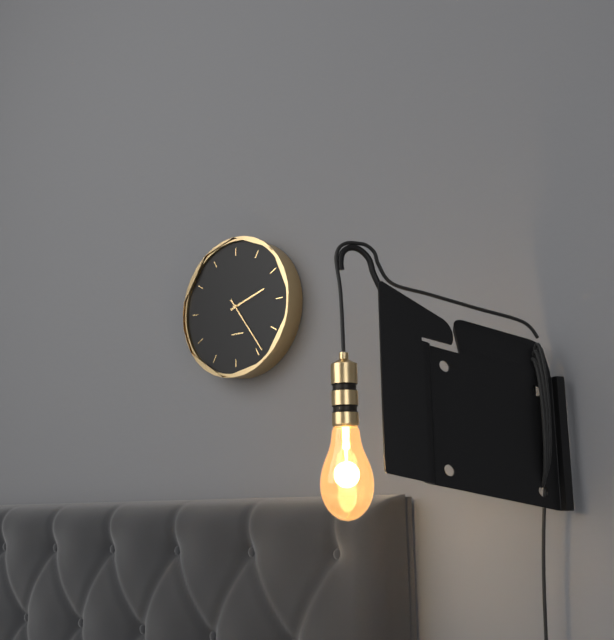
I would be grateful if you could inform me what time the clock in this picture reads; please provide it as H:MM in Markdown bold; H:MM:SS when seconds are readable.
**2:24**
